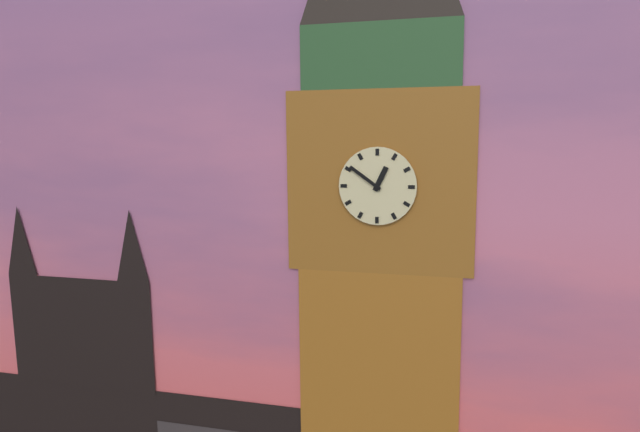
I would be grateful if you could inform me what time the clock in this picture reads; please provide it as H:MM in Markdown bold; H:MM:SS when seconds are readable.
**12:51**
